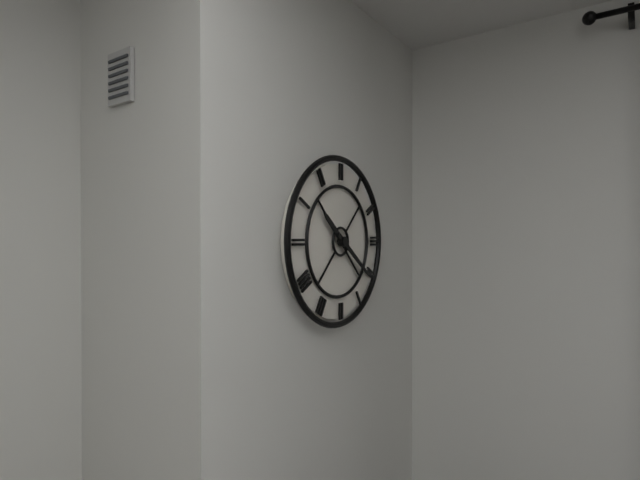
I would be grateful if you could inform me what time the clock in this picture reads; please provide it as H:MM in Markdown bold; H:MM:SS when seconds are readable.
**10:21**
